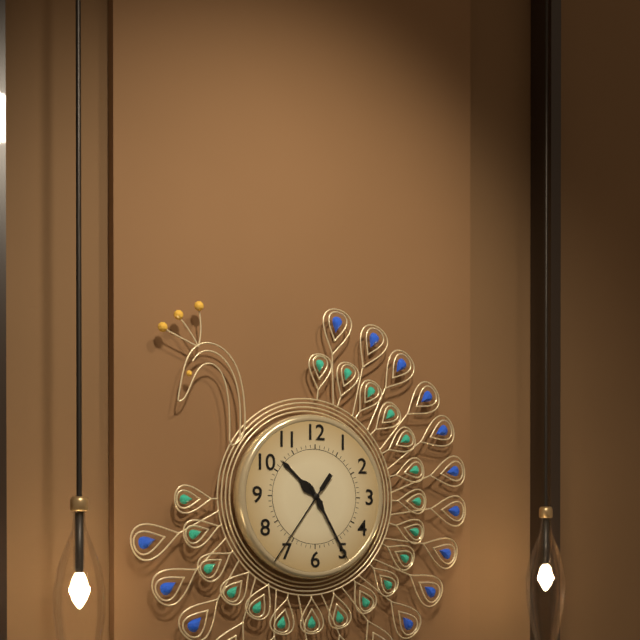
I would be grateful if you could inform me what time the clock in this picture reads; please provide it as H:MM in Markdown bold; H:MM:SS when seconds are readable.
**10:25:36**
